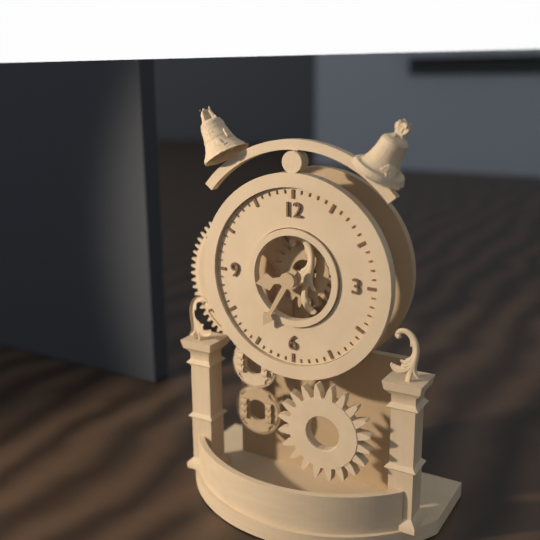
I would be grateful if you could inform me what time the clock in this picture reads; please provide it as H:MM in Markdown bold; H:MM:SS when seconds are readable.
**8:35**
